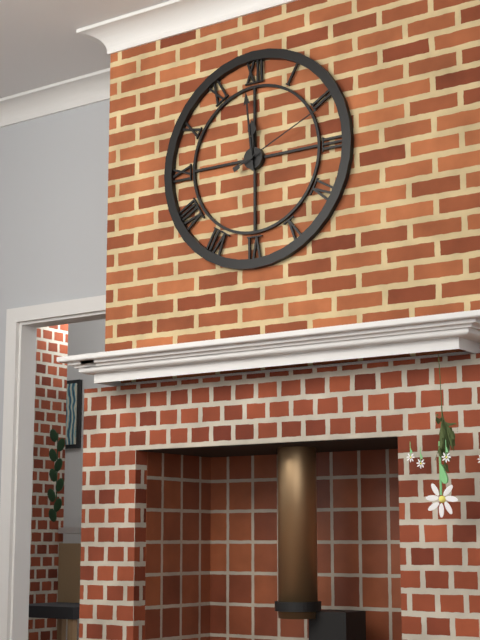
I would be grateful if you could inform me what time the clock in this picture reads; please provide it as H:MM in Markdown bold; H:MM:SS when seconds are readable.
**11:59:11**
